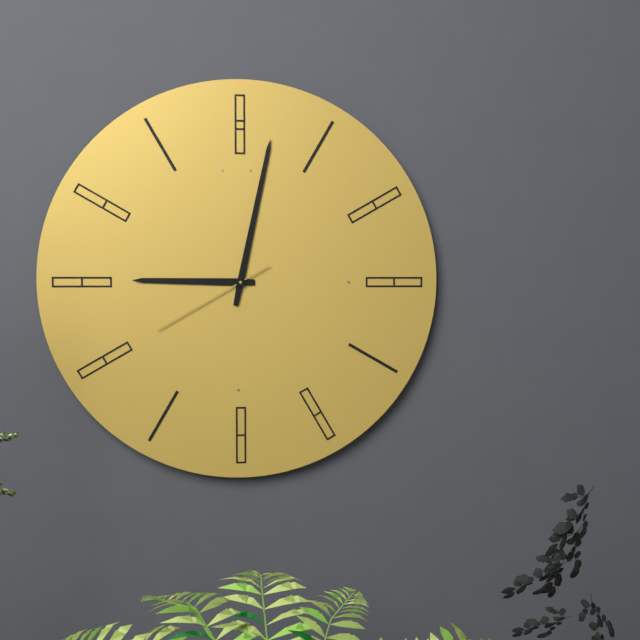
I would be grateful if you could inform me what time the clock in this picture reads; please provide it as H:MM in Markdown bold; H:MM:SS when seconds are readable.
**9:02:40**
